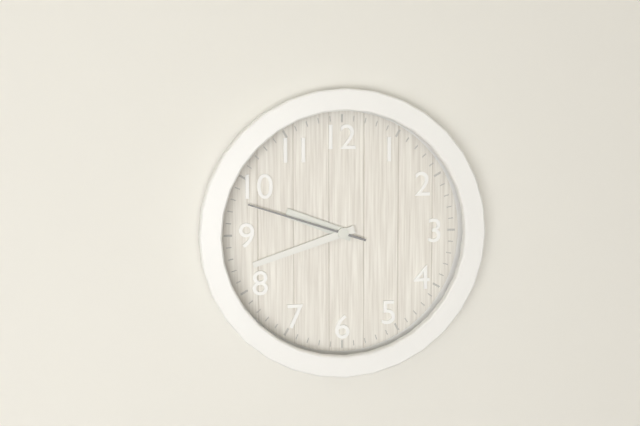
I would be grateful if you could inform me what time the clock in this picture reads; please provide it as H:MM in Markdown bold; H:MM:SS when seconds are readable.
**9:42:48**
